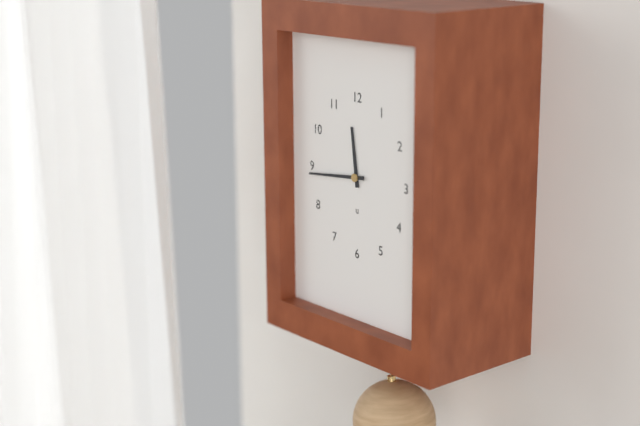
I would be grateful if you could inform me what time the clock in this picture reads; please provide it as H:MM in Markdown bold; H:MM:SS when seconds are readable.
**11:44**
